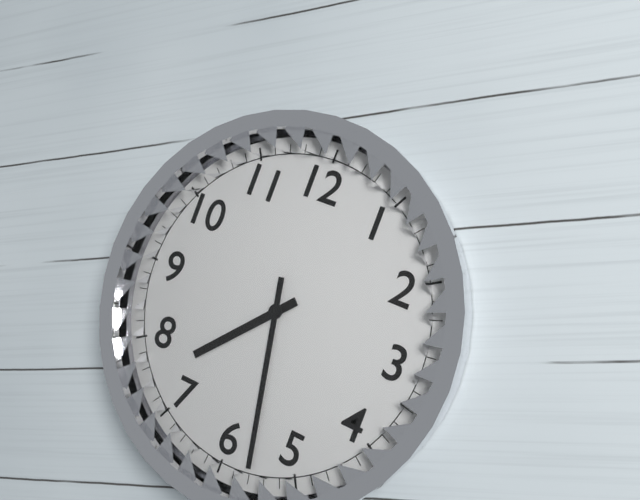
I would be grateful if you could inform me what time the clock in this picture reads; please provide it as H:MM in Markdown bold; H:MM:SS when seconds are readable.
**7:28**
